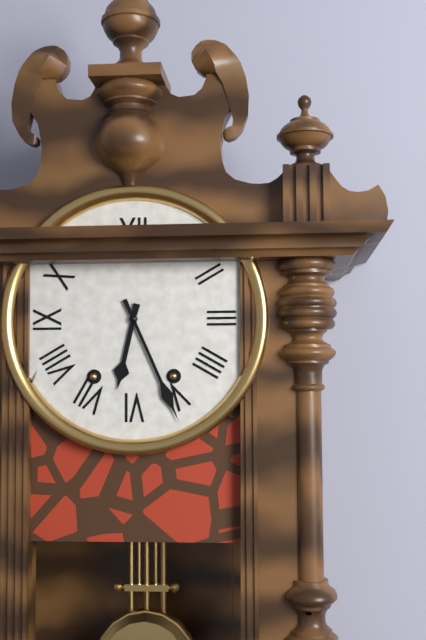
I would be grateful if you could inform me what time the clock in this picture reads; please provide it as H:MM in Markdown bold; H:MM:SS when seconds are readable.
**6:26**
